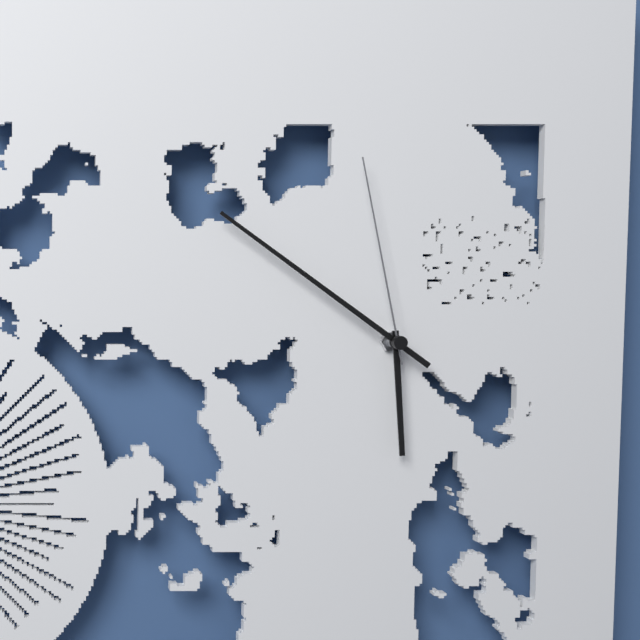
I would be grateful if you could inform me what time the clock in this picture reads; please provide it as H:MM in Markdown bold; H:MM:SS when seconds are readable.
**5:51:58**
